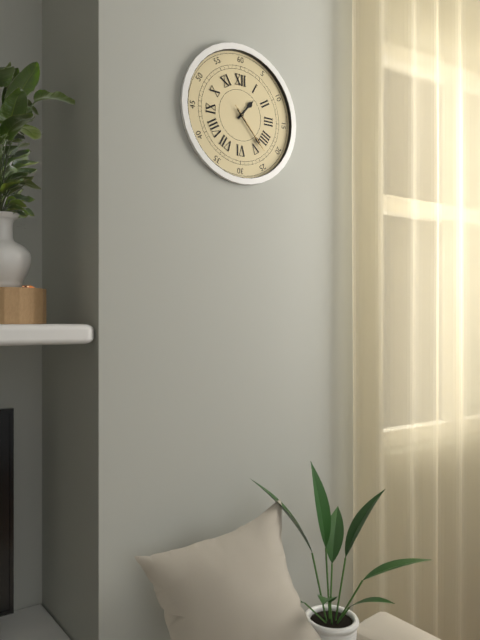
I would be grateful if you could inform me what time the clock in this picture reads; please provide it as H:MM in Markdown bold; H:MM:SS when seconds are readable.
**1:23:23**
